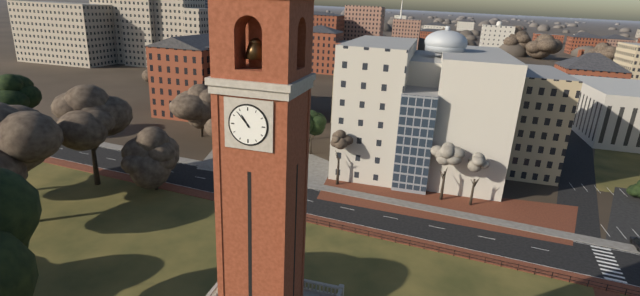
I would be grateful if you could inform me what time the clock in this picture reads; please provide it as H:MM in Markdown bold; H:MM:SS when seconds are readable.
**10:53**
